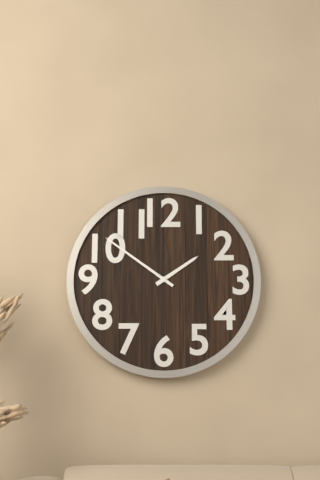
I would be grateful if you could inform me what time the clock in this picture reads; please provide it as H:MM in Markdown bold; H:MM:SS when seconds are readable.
**1:51**
